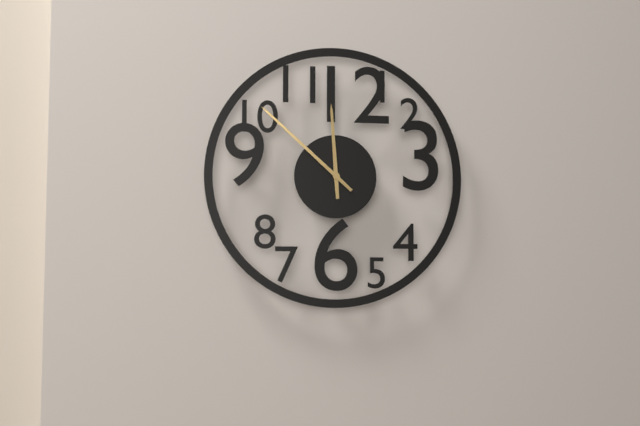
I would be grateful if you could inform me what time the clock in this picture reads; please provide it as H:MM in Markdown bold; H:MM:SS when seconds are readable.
**11:52**
